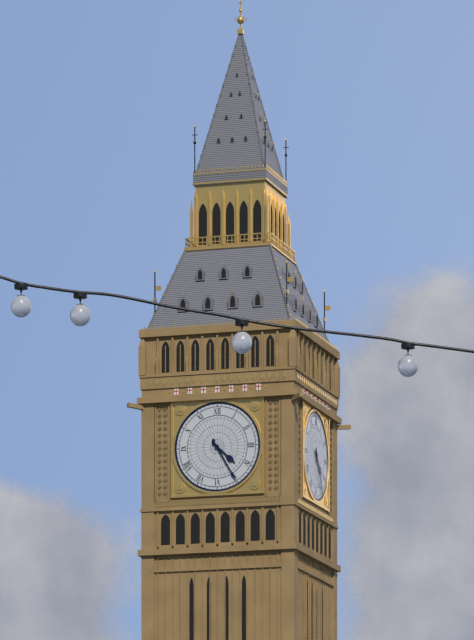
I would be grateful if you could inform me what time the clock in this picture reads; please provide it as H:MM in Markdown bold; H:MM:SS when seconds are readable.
**4:25**
